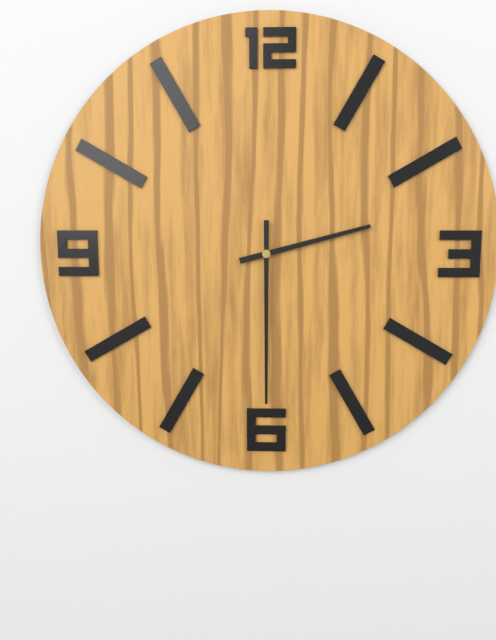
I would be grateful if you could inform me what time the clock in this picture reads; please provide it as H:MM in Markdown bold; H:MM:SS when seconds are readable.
**2:30**
